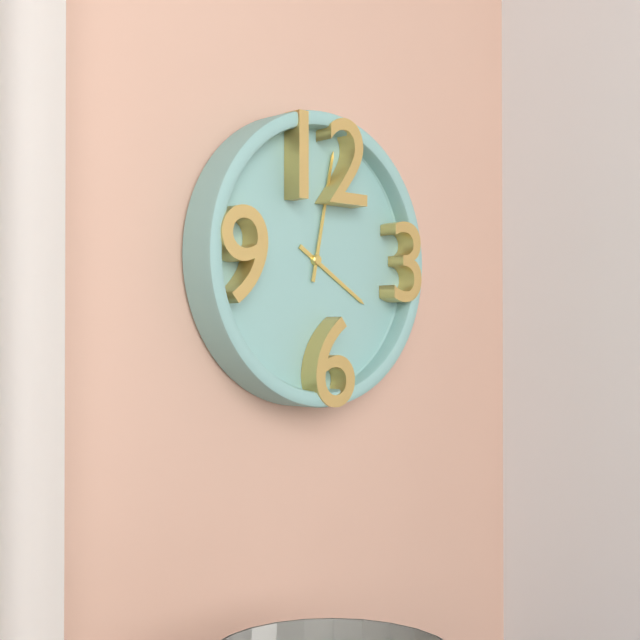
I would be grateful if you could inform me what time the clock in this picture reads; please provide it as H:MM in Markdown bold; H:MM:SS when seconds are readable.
**4:02**
